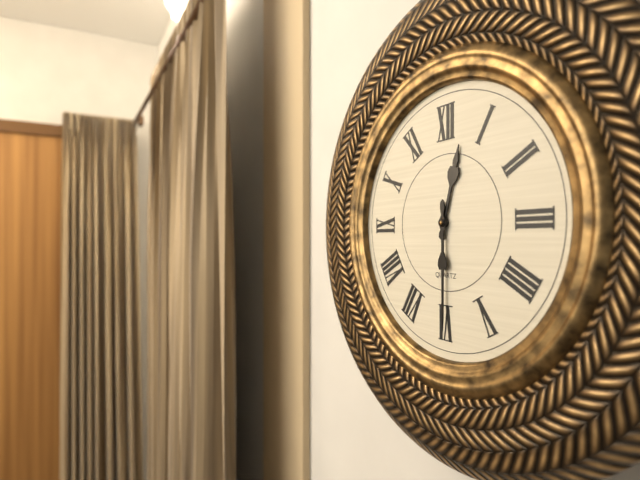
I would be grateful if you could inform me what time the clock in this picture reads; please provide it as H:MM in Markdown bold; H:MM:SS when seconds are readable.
**12:30**
